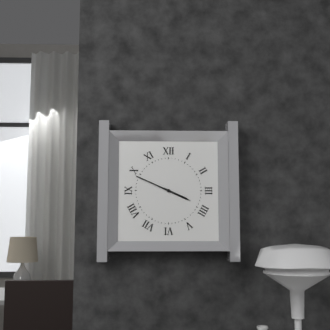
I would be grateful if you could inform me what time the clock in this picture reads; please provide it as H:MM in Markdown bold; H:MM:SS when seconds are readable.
**3:49**
